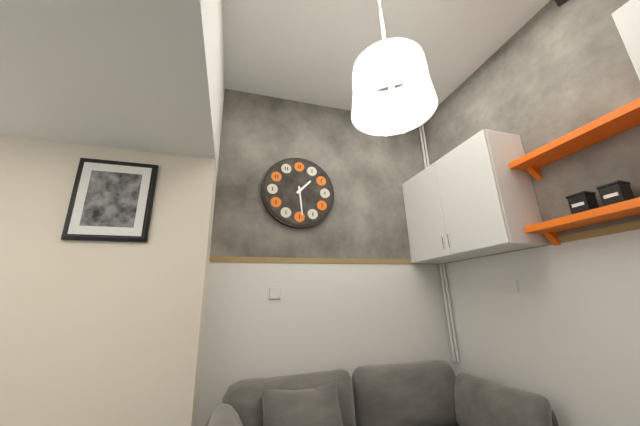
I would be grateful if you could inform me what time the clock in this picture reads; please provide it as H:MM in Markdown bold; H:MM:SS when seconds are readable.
**1:29**
